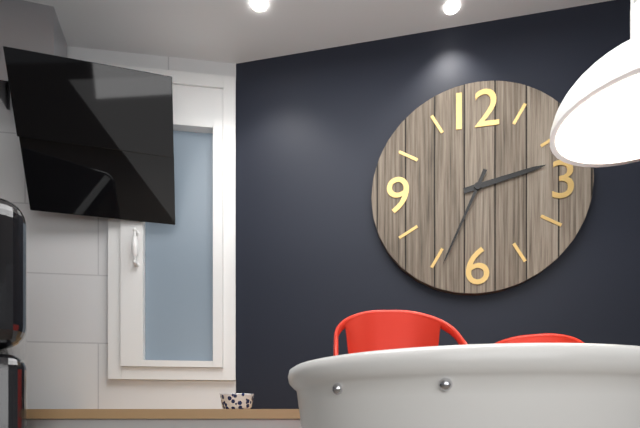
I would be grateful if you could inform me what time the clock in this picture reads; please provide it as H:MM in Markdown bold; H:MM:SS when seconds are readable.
**2:34**
